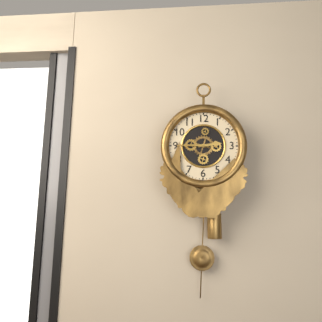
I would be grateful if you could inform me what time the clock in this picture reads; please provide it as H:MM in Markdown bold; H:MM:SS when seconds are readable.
**2:45**
